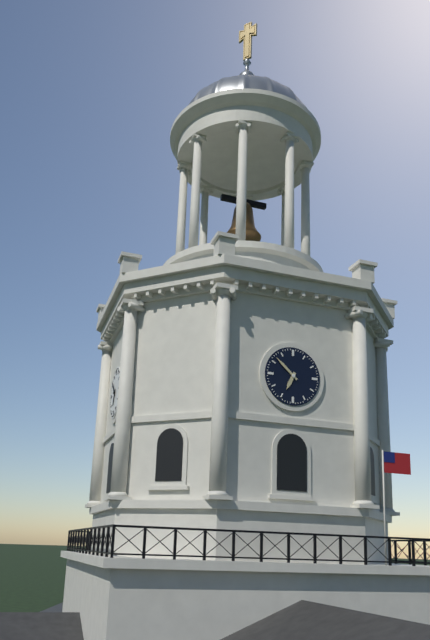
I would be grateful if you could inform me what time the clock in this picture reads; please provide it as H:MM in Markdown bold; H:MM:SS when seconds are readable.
**6:52**
